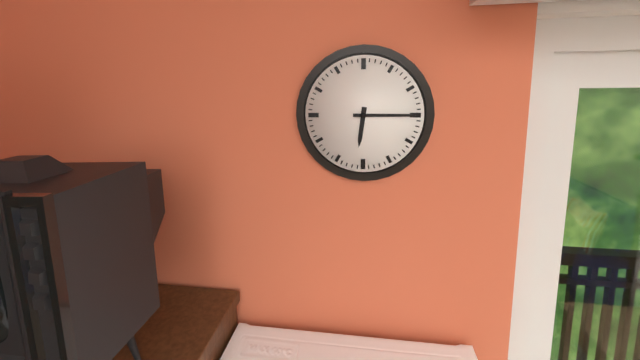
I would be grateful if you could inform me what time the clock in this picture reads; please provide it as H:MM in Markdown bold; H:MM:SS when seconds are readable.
**6:15**
